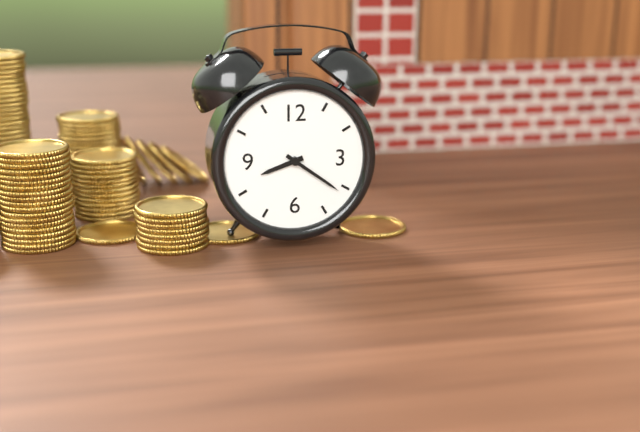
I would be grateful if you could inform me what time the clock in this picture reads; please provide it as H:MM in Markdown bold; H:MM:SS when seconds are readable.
**8:21**
